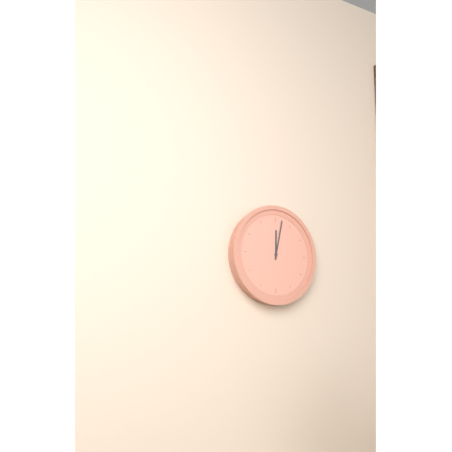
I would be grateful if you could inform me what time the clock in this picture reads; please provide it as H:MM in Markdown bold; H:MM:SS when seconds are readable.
**12:02**
